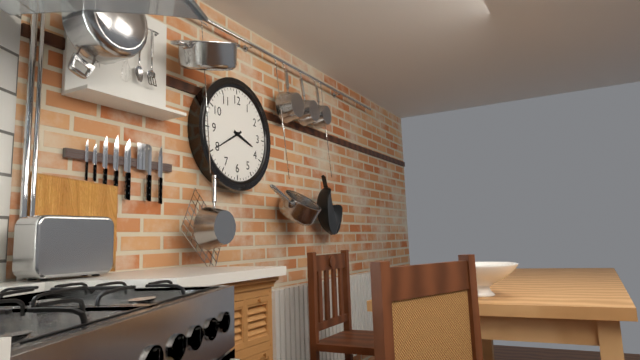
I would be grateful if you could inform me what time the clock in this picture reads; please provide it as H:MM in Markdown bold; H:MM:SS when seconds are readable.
**3:40**
